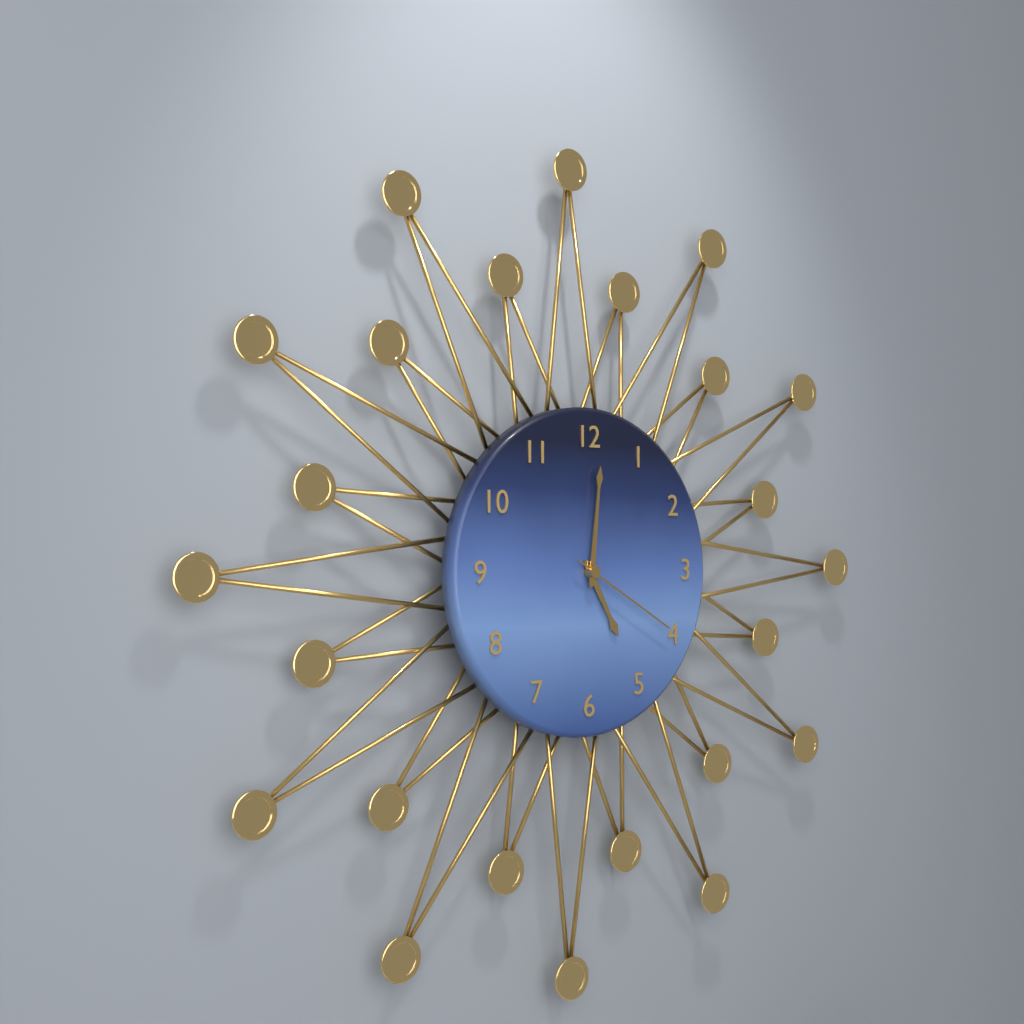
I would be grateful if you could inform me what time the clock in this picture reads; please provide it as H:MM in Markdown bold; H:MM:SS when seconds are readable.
**5:01:20**
